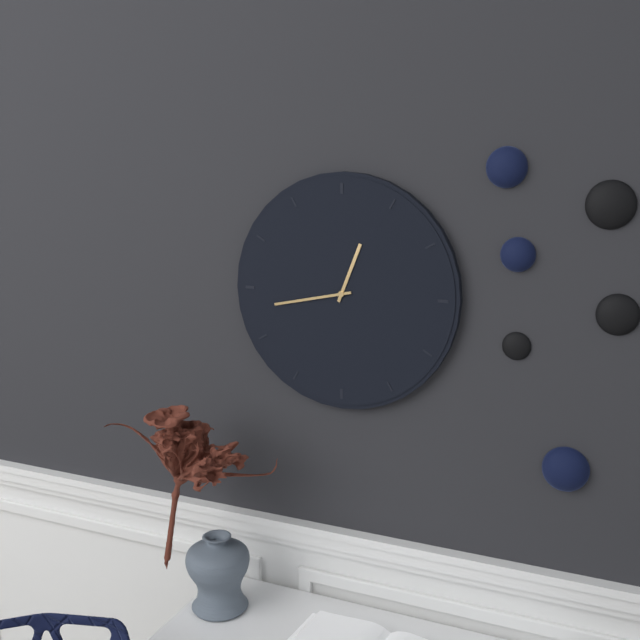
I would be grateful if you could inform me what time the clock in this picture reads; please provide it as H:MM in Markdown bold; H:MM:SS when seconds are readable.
**12:43**
